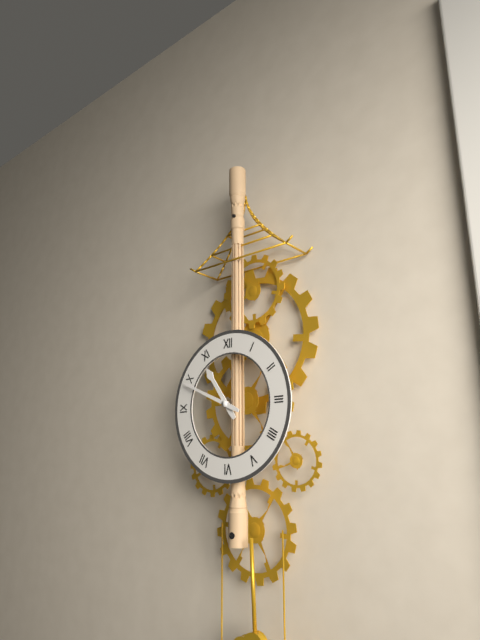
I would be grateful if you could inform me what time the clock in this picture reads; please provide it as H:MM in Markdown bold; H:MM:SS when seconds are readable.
**10:49**
